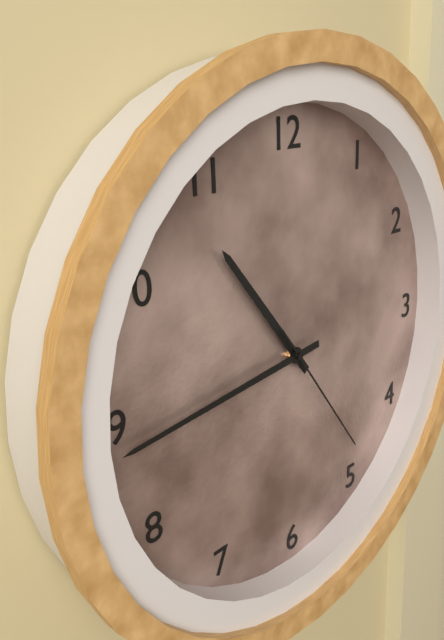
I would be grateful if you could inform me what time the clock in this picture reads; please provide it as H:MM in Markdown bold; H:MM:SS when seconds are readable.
**10:44:24**
